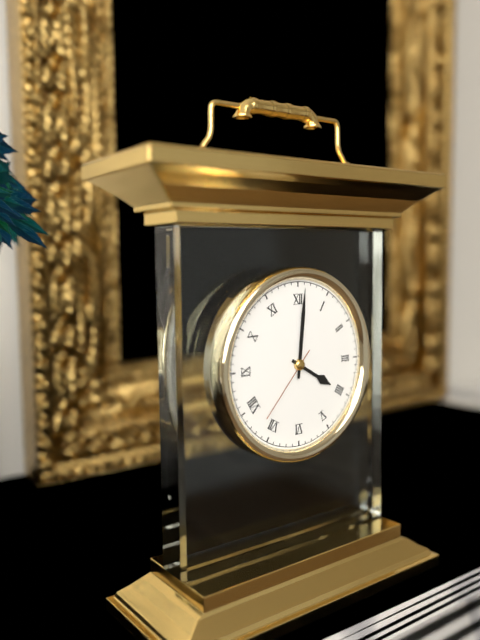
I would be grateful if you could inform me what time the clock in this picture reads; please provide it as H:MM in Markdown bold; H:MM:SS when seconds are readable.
**4:01:37**
